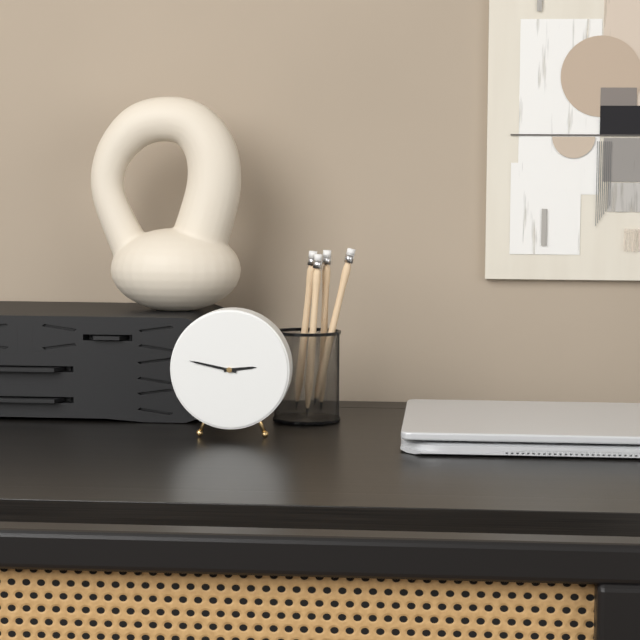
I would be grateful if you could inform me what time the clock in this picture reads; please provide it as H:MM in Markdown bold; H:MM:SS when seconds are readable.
**2:47**
